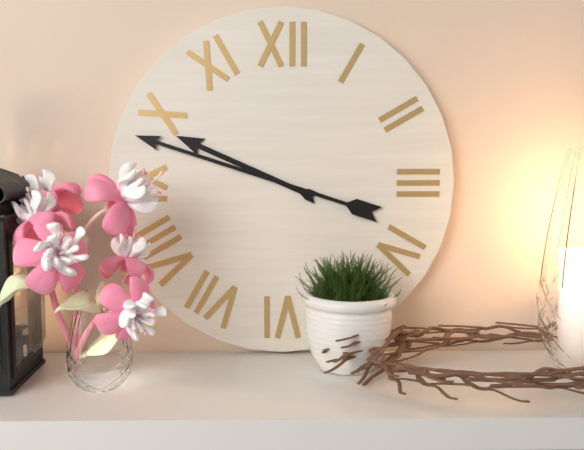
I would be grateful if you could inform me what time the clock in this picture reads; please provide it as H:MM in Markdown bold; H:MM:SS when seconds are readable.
**9:48**
